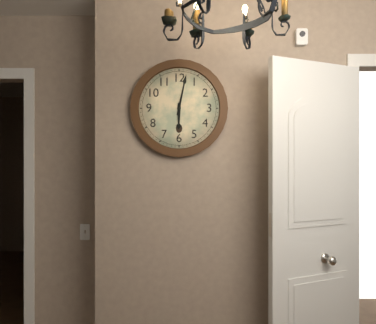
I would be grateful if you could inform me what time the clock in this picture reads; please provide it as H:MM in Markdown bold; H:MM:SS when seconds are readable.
**6:02**
